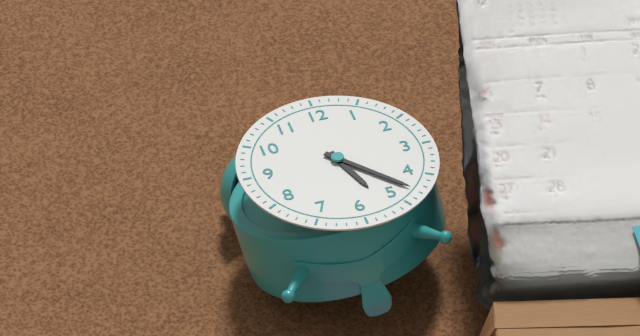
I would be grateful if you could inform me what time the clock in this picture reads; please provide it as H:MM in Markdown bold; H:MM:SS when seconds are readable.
**5:23**
